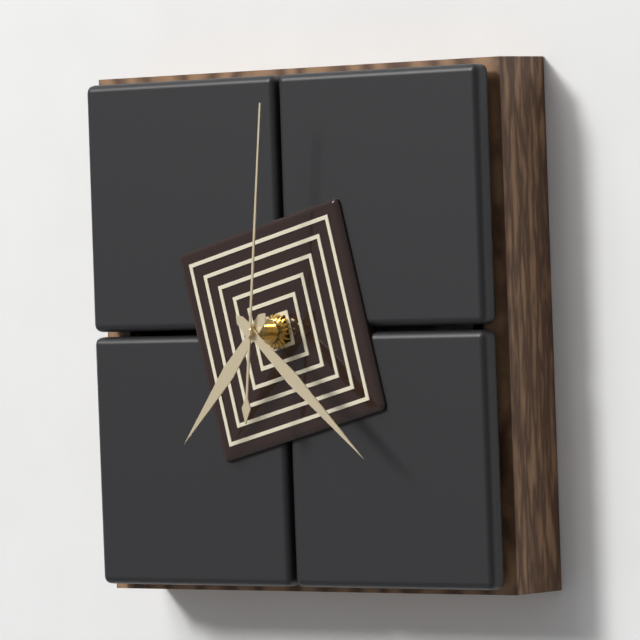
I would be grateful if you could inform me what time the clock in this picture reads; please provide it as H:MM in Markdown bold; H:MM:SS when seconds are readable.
**7:22:01**
